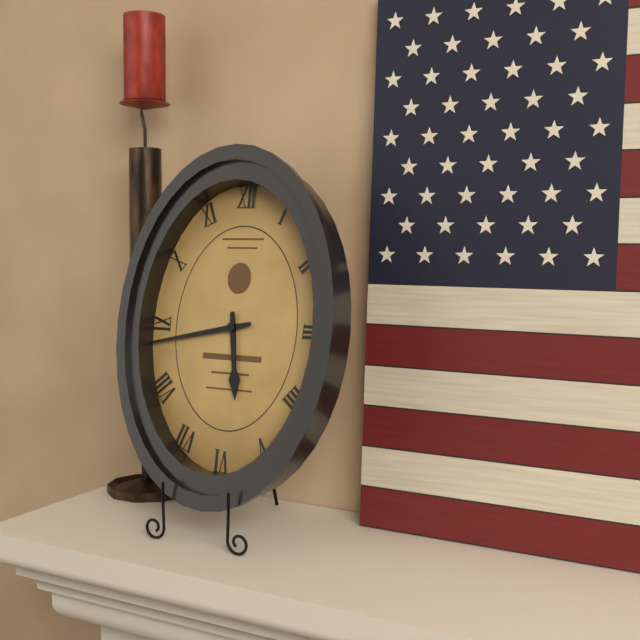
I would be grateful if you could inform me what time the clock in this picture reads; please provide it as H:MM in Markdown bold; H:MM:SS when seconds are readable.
**5:43**
